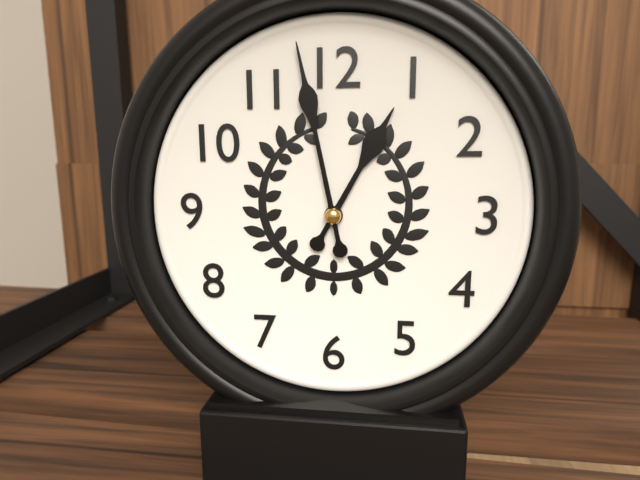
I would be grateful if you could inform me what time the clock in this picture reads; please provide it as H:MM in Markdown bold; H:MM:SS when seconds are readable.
**12:58**
